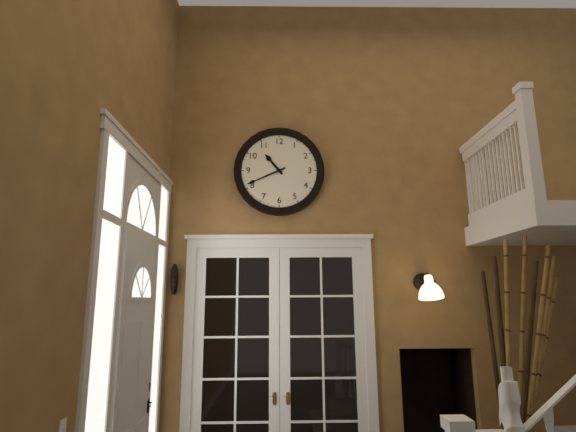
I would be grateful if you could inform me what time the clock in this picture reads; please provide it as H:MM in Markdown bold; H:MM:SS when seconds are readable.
**10:41**
